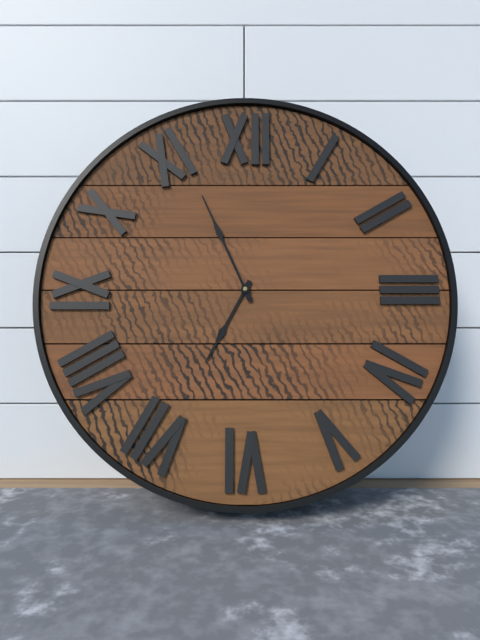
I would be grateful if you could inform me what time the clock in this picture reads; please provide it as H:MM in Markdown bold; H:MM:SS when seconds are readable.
**6:56**
